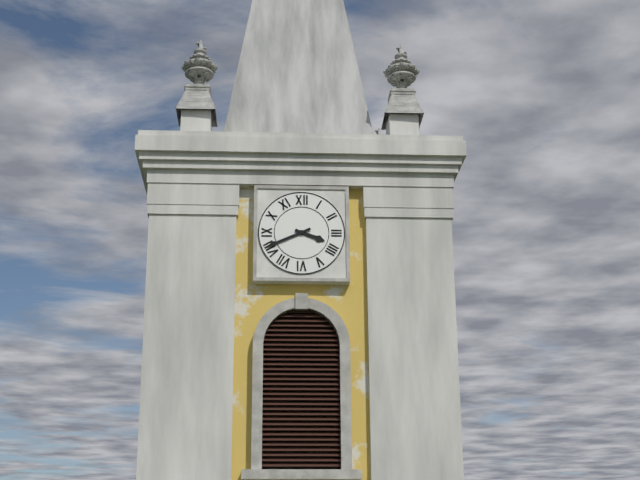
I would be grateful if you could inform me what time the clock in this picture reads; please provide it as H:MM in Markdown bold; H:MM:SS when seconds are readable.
**3:41**
